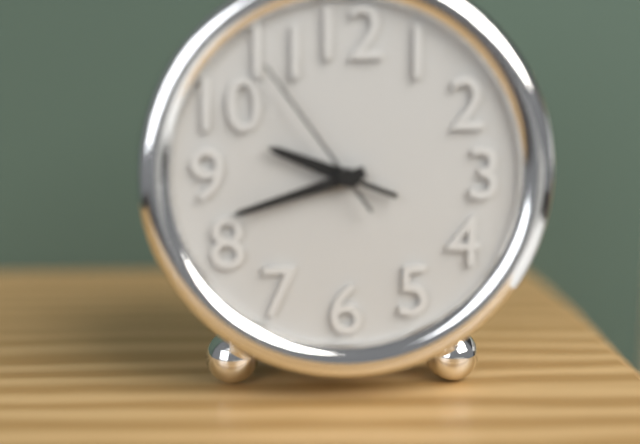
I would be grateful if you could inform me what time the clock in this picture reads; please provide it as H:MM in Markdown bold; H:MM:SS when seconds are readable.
**9:42:54**
